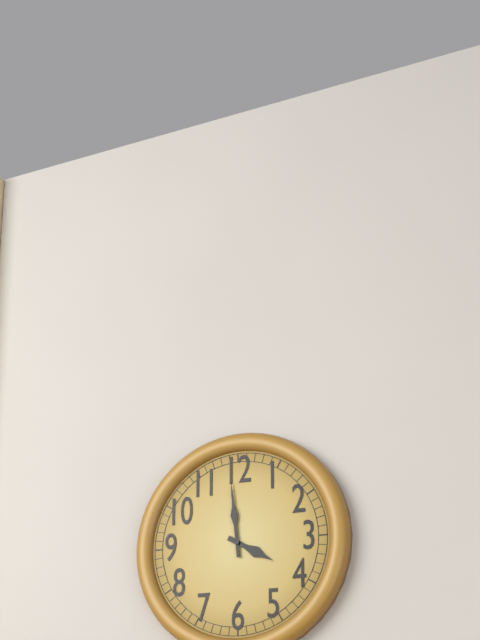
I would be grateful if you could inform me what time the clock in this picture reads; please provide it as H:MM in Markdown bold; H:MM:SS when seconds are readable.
**3:59**
